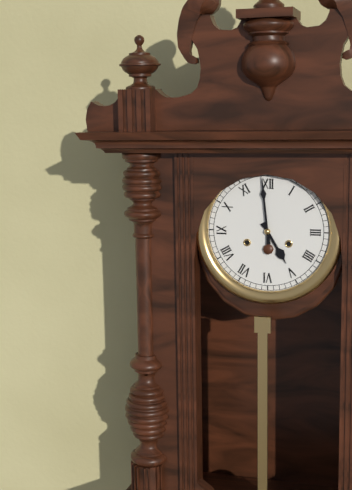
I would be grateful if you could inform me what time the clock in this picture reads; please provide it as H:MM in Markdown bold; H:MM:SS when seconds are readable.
**4:59**
